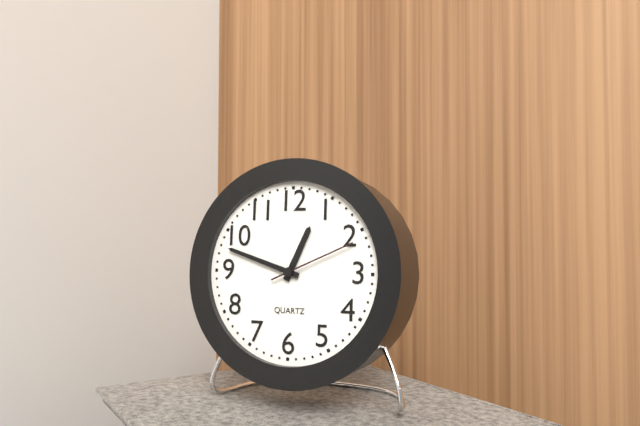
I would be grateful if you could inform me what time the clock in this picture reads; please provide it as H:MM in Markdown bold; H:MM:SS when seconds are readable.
**12:48:11**
